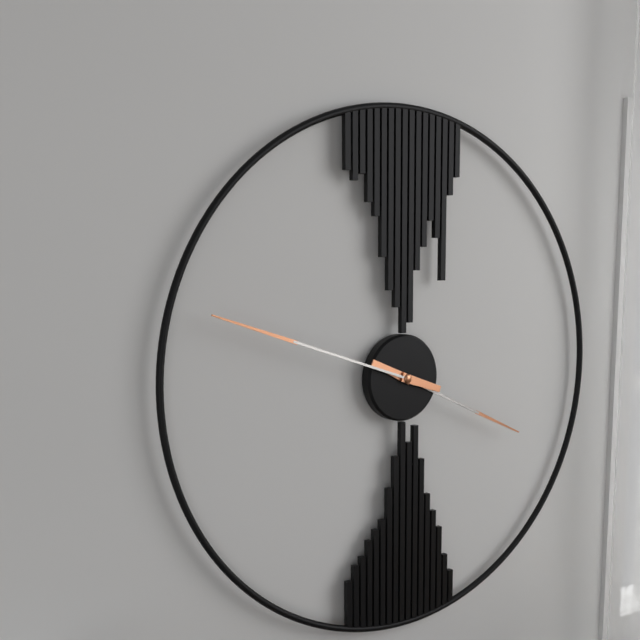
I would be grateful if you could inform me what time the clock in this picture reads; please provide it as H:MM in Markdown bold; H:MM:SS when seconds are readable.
**3:48**
